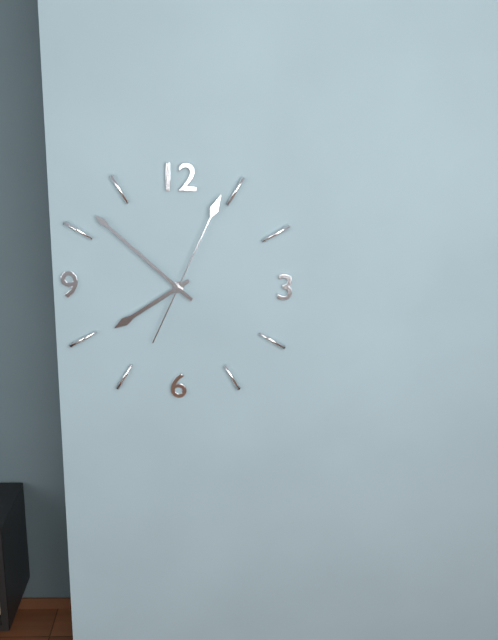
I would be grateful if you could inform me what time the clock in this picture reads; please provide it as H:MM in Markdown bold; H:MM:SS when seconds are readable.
**7:52:04**
